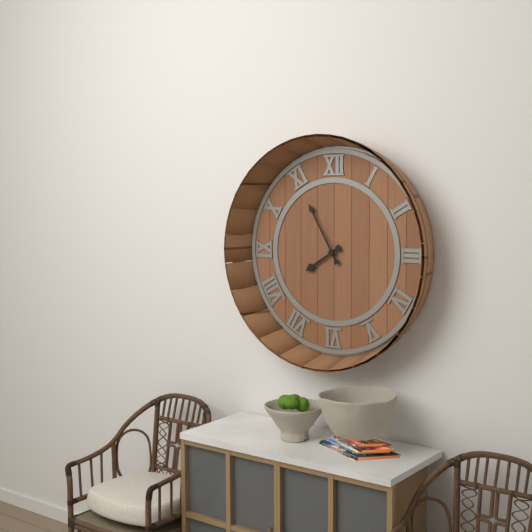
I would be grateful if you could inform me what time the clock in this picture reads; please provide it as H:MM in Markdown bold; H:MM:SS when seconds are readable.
**7:55**
